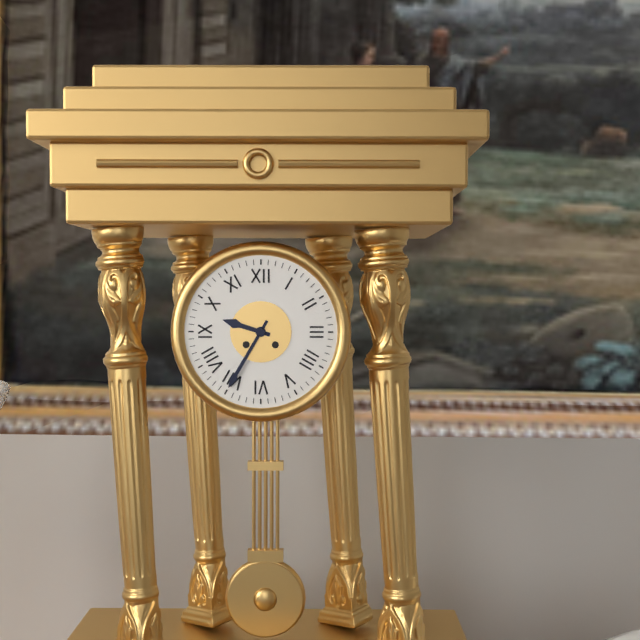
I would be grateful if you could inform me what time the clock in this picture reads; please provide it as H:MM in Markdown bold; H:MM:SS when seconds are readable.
**9:35**
